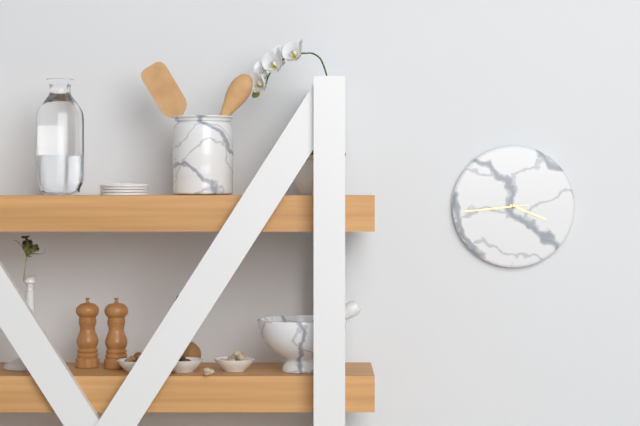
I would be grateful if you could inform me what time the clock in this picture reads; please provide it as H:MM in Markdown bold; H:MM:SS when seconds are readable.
**3:44:44**
